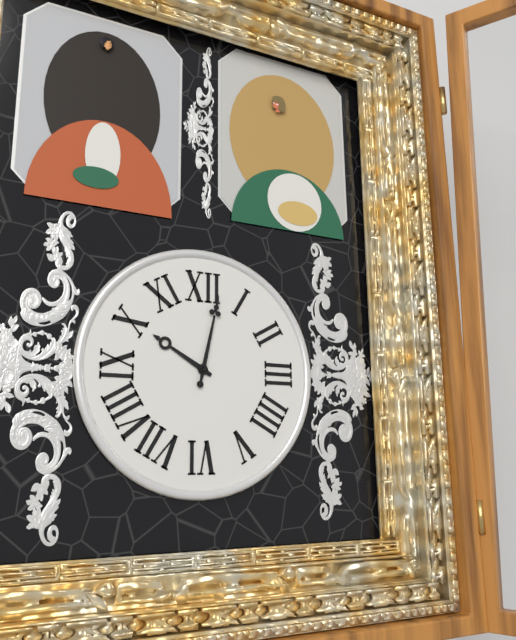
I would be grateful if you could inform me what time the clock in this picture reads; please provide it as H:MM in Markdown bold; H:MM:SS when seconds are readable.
**10:02**
